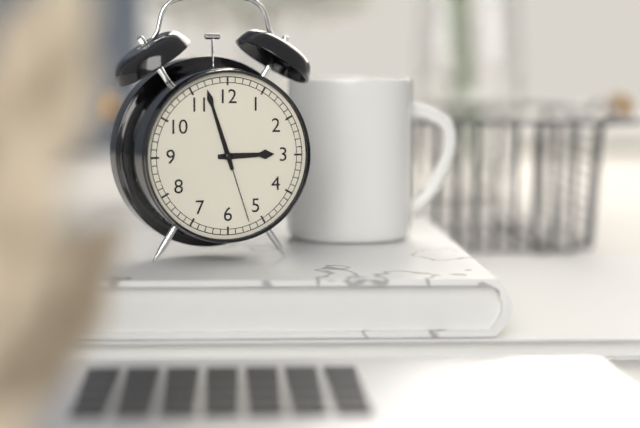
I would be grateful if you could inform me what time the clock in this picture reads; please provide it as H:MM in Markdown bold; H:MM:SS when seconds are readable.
**2:57:27**
